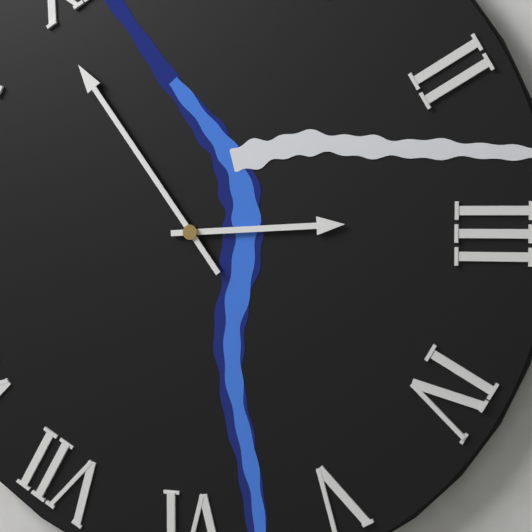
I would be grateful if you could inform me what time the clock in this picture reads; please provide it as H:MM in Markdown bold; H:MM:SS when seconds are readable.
**2:54**
